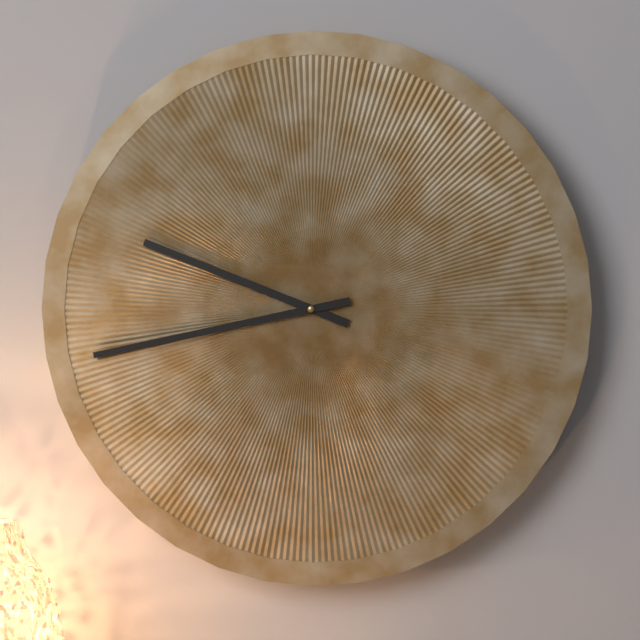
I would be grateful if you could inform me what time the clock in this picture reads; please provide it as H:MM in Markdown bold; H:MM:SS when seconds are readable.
**9:43**
